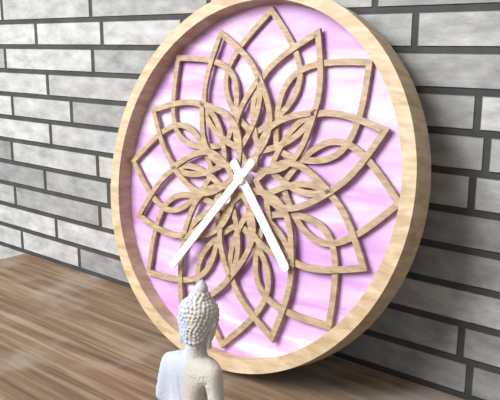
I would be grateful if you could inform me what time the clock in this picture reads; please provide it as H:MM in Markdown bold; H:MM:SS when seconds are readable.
**4:36**
